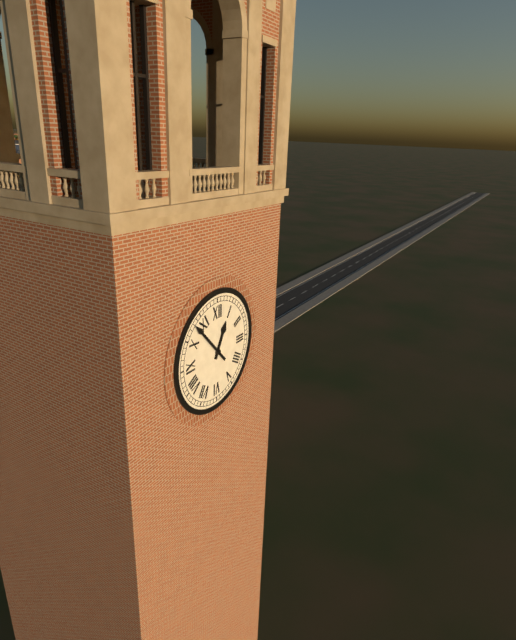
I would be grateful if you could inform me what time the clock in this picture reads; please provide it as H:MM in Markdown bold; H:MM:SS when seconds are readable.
**12:53**
